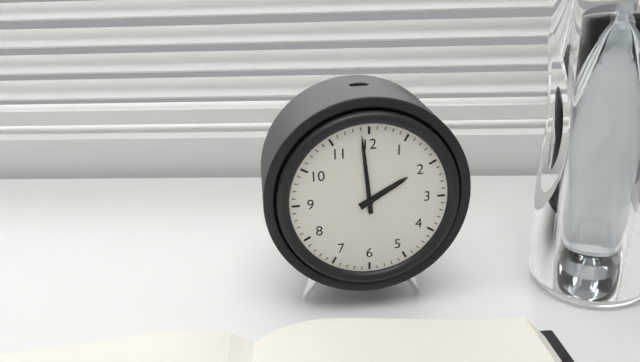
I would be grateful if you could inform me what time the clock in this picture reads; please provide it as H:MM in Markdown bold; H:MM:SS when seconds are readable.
**1:59**
